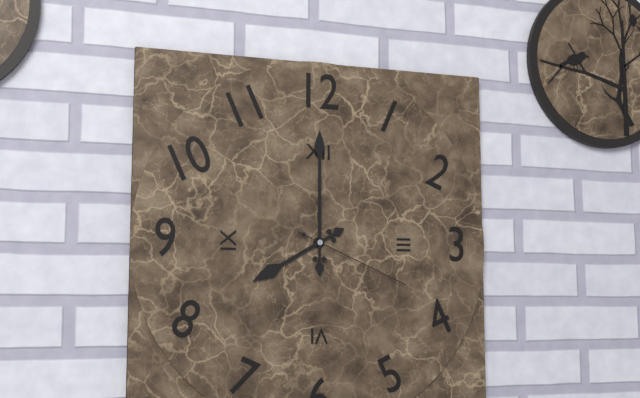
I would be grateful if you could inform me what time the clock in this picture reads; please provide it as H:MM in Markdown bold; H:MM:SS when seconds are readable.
**8:00:19**
